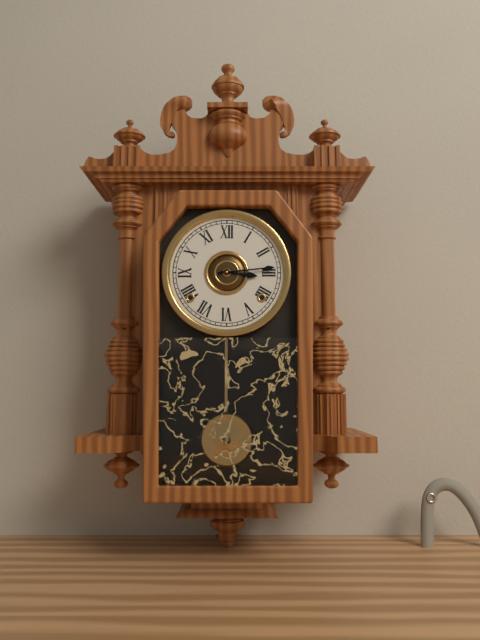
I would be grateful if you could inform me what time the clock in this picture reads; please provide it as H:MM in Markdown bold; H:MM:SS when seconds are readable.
**3:14**
